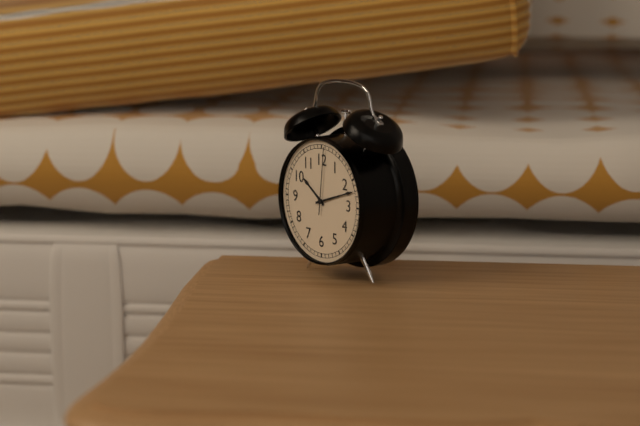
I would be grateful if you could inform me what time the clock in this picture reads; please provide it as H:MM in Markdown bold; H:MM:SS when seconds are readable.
**10:12:01**
